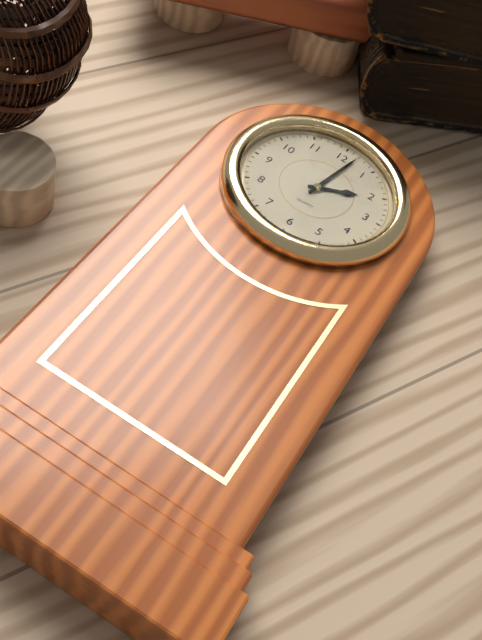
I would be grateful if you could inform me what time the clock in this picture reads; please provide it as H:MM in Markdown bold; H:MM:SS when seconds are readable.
**2:02**
